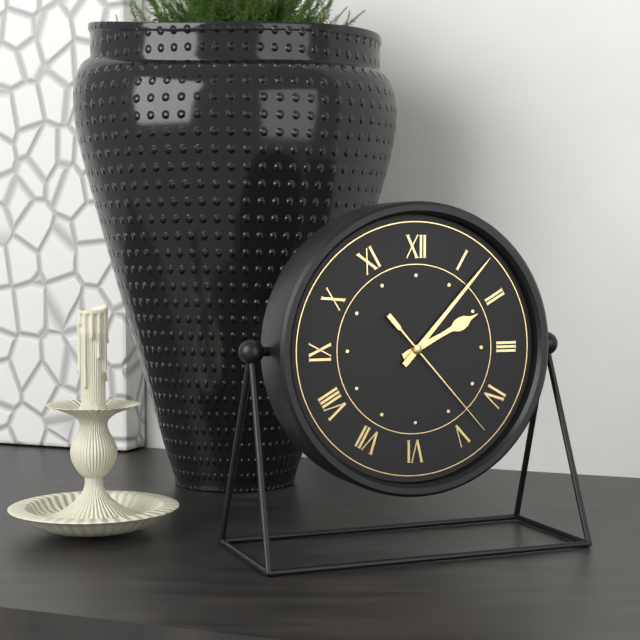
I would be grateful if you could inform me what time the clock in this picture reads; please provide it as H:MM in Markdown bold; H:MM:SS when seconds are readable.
**2:07:23**
